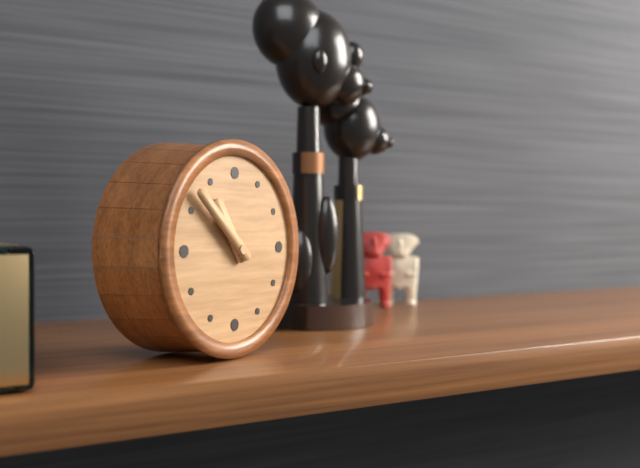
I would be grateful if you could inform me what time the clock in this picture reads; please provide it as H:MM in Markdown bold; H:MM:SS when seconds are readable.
**10:52**
